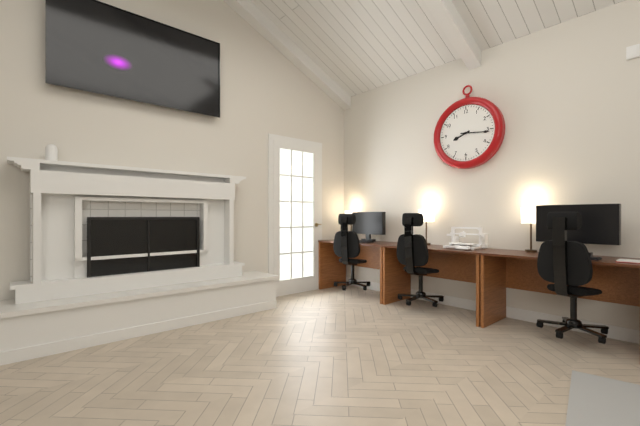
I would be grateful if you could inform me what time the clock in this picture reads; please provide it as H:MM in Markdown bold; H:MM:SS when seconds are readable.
**8:16**
